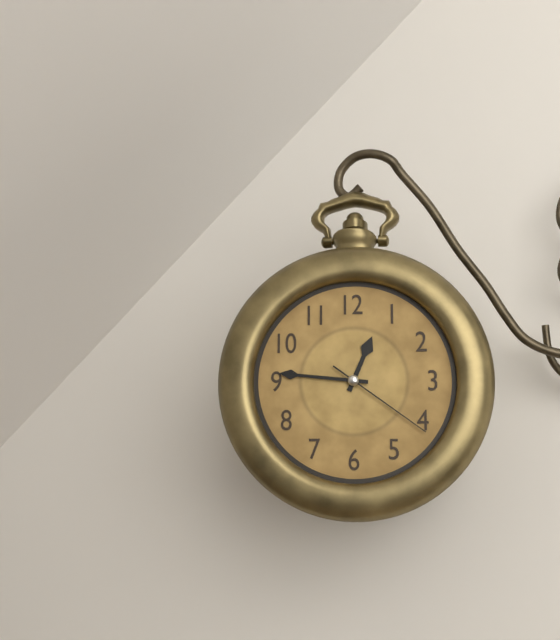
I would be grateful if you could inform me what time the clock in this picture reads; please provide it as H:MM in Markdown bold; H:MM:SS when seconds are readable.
**12:46:21**
